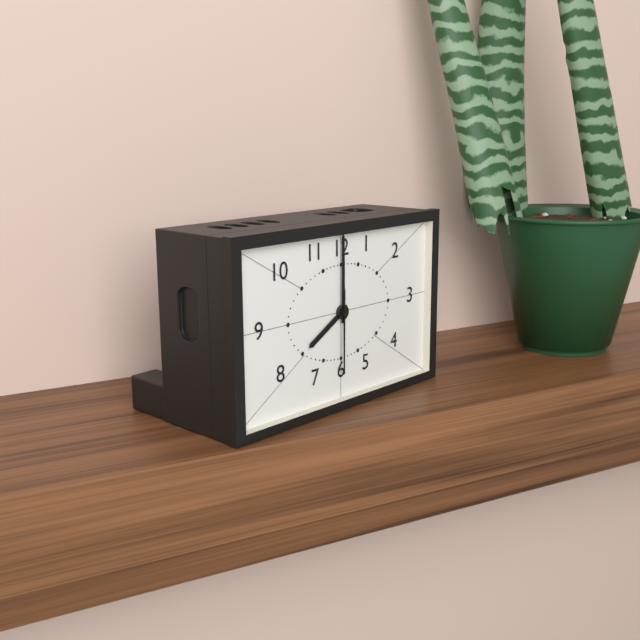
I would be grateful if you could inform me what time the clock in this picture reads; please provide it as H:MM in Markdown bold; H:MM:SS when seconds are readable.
**8:00:30**
